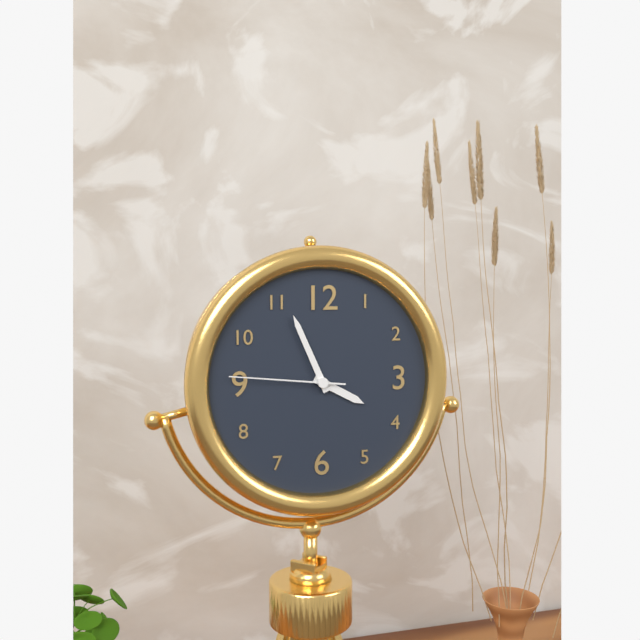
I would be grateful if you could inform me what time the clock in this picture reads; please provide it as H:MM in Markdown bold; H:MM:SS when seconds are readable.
**3:56:46**
